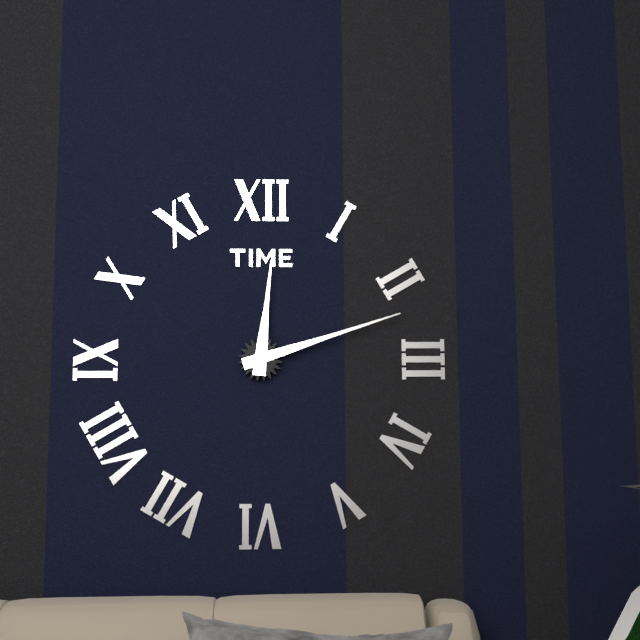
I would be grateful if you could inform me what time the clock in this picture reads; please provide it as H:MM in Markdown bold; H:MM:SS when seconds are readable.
**12:12**
